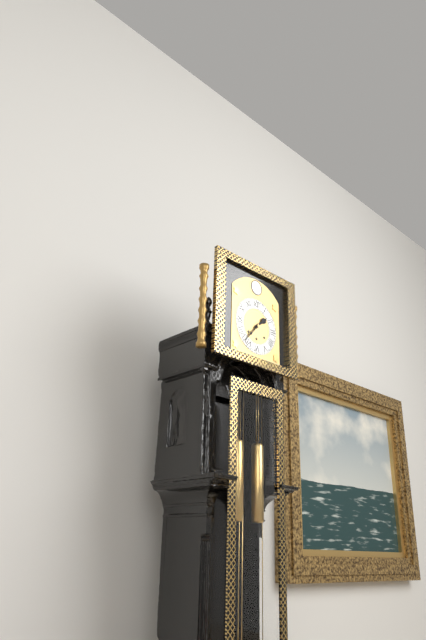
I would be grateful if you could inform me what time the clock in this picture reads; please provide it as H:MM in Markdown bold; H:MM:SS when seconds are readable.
**1:37**
